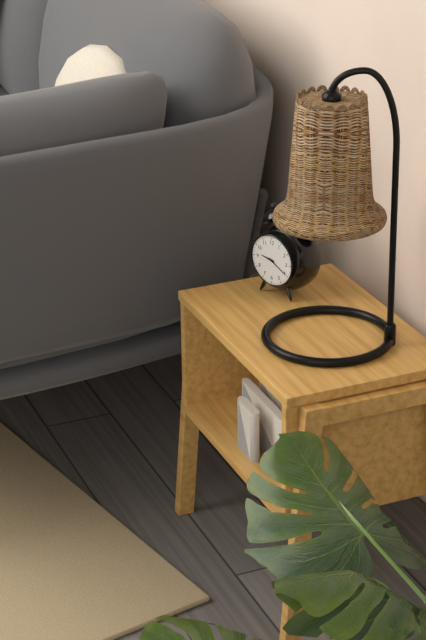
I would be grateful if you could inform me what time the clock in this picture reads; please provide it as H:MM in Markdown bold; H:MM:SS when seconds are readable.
**9:20**
